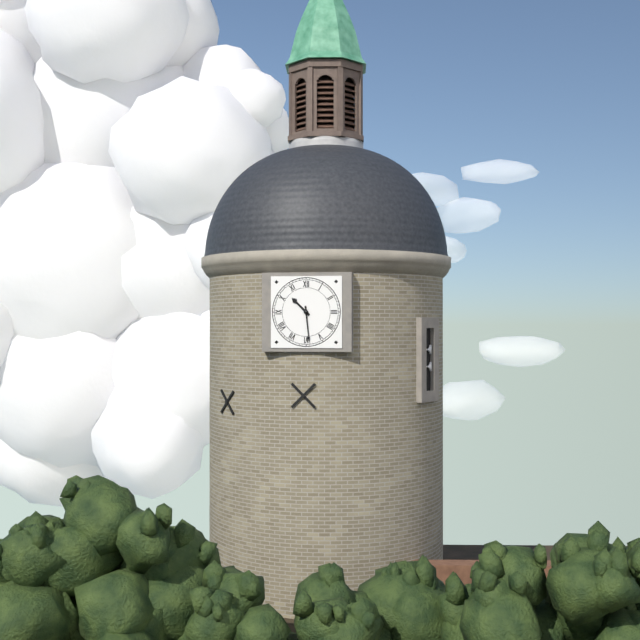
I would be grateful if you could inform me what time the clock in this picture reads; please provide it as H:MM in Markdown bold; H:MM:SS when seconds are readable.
**10:29**
